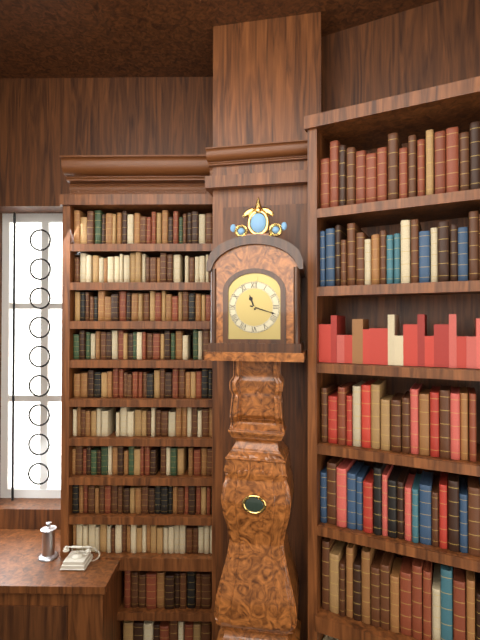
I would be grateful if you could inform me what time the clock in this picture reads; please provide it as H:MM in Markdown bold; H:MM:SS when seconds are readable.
**11:18**
